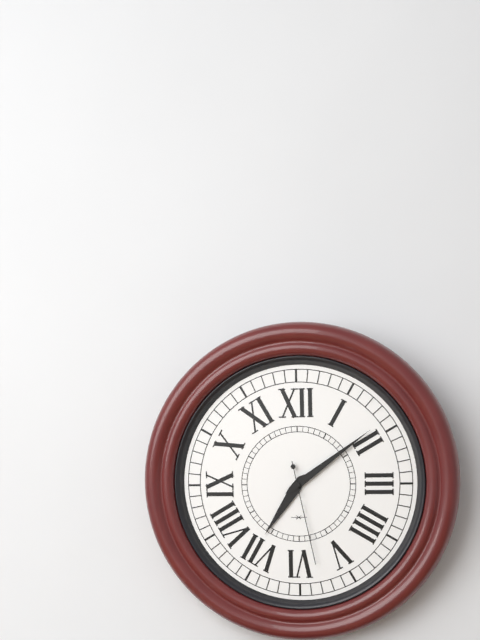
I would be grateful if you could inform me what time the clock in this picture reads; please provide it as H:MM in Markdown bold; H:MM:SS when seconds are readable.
**7:09:28**
